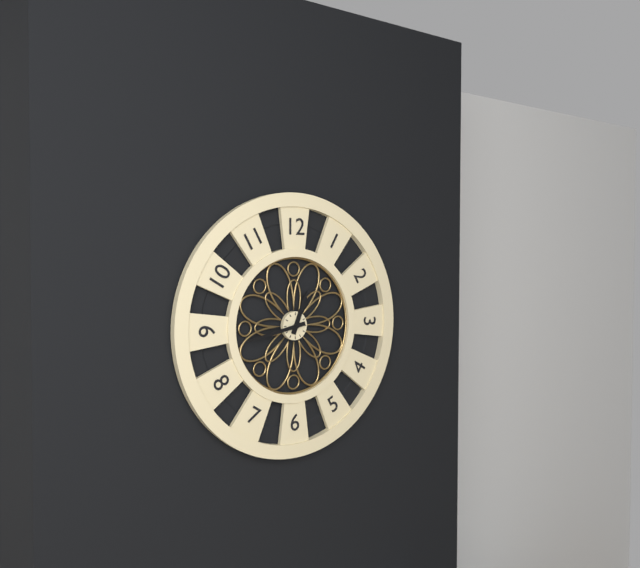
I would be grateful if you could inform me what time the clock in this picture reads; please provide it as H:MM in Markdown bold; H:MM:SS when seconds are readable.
**12:43**
